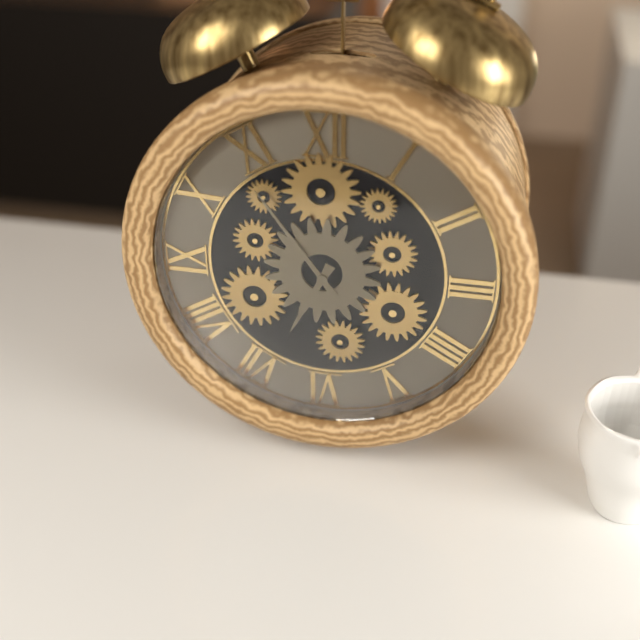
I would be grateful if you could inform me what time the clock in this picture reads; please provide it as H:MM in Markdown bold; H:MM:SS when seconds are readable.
**6:54**
